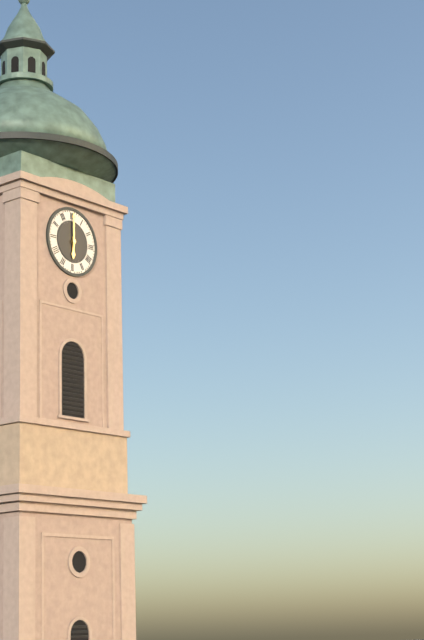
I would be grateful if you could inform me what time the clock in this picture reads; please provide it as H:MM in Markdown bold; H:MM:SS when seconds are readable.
**6:00**
